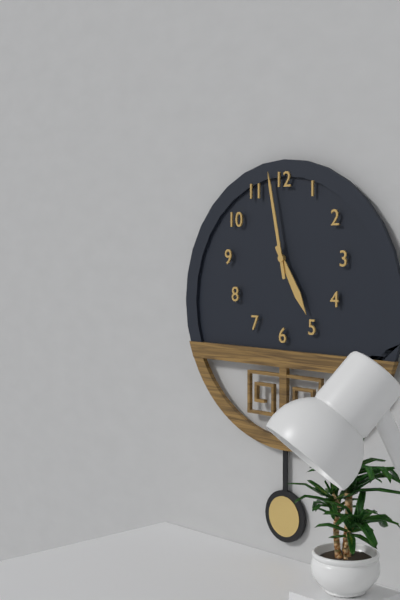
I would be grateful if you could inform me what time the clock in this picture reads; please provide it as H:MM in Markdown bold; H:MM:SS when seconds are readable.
**4:58**
